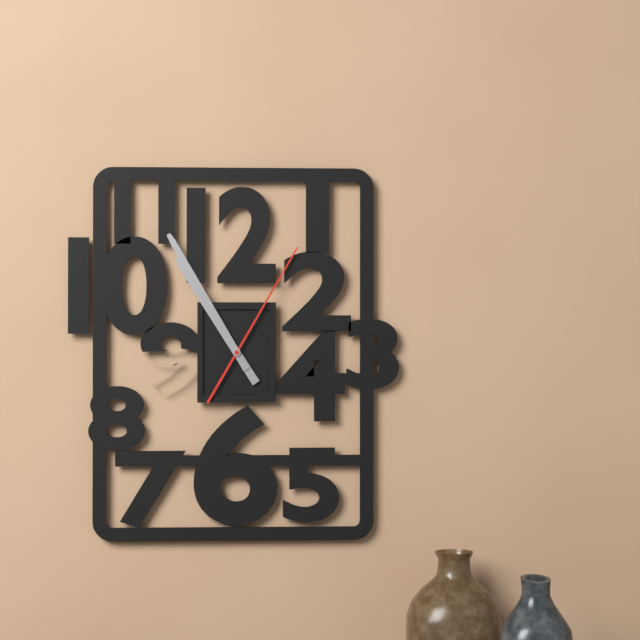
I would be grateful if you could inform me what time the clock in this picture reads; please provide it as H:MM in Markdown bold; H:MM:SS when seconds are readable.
**10:55:05**
